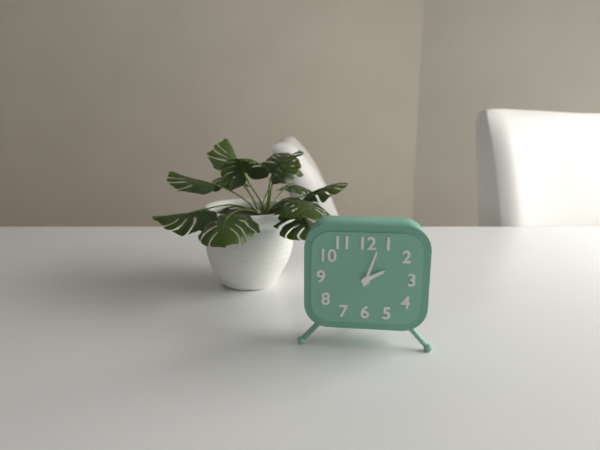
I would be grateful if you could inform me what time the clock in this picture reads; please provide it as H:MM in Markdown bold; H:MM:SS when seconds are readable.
**2:03**
